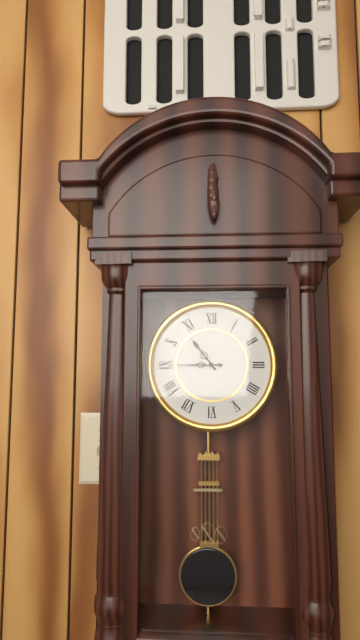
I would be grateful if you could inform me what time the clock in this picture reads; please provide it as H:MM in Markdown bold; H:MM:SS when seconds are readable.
**10:45**
